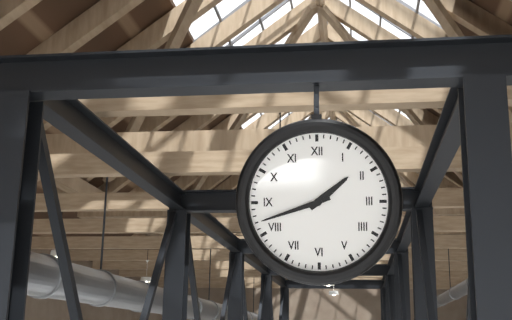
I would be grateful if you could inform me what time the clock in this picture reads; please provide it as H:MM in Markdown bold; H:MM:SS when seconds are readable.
**1:42**
